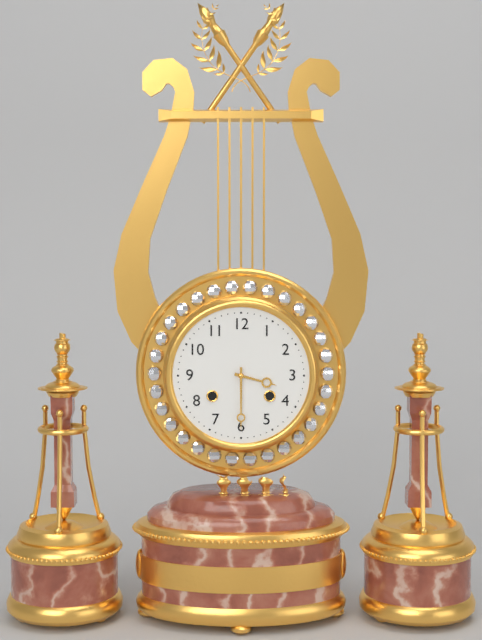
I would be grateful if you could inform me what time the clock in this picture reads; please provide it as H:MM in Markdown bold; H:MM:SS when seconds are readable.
**3:30**
